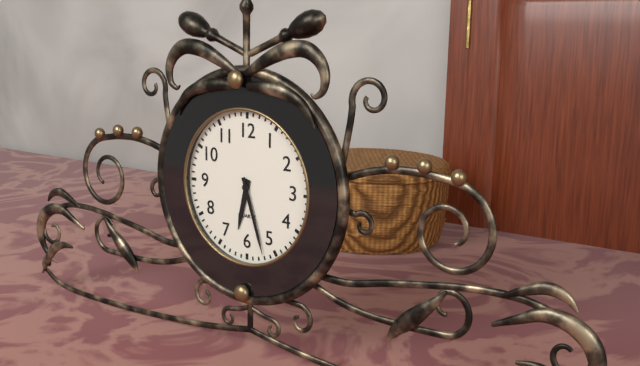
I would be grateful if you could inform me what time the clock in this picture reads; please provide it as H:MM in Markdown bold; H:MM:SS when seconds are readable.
**6:27**
